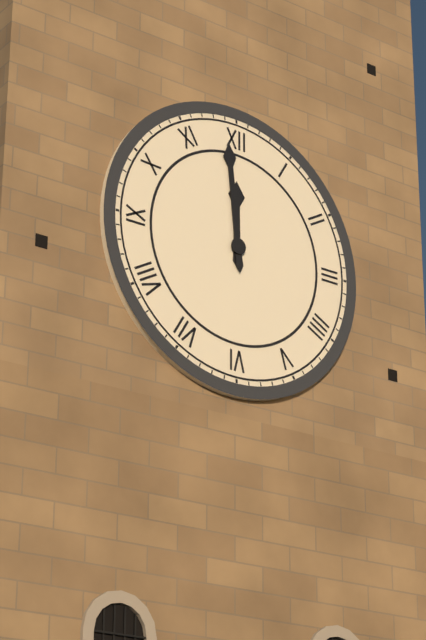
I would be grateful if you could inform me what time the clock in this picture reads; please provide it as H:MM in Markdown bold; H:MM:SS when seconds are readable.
**11:59**
